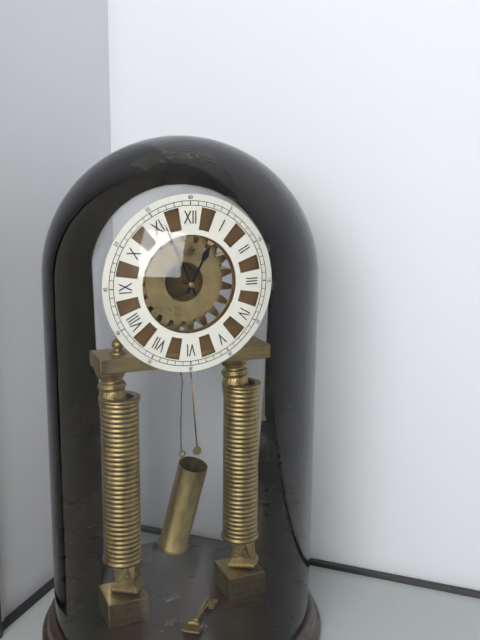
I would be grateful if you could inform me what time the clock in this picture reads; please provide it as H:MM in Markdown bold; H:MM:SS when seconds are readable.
**12:56**
